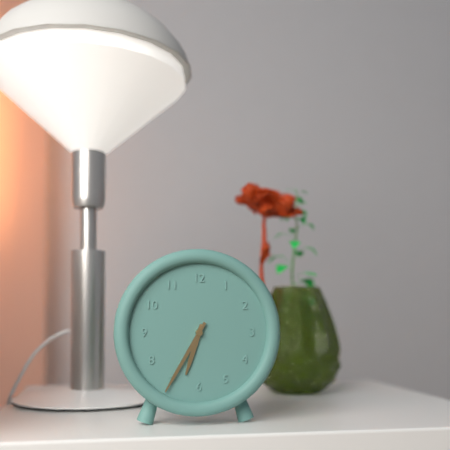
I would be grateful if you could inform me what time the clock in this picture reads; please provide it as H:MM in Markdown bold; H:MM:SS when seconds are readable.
**6:35**
